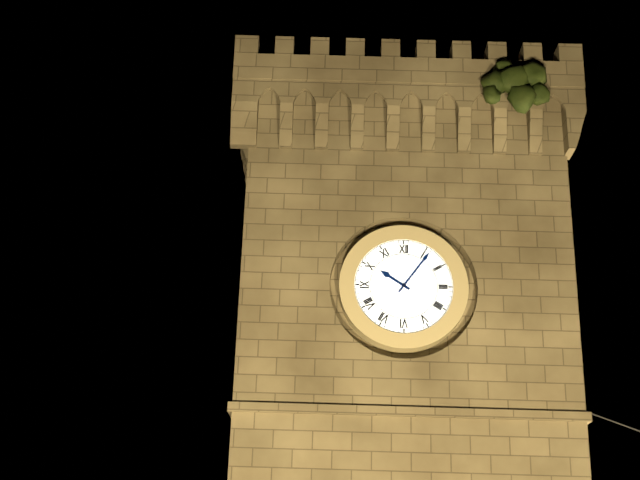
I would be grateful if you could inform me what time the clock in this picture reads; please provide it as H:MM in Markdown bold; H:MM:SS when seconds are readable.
**10:06**
